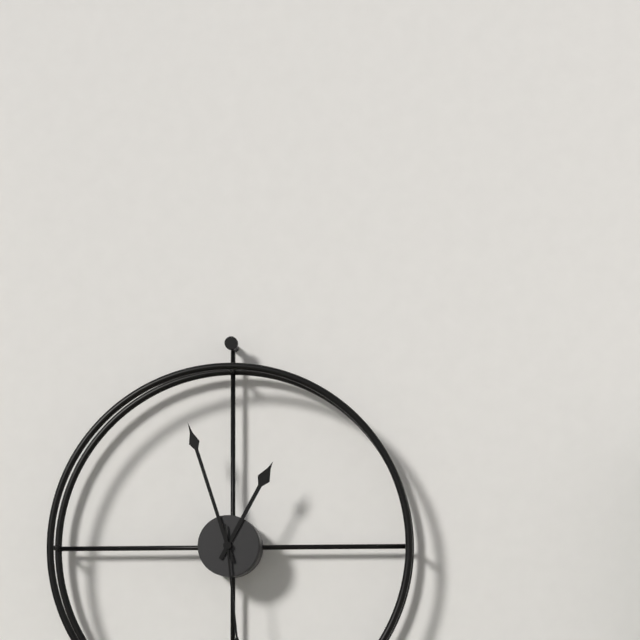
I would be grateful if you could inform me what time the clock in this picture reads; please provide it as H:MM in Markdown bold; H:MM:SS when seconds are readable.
**12:57**
